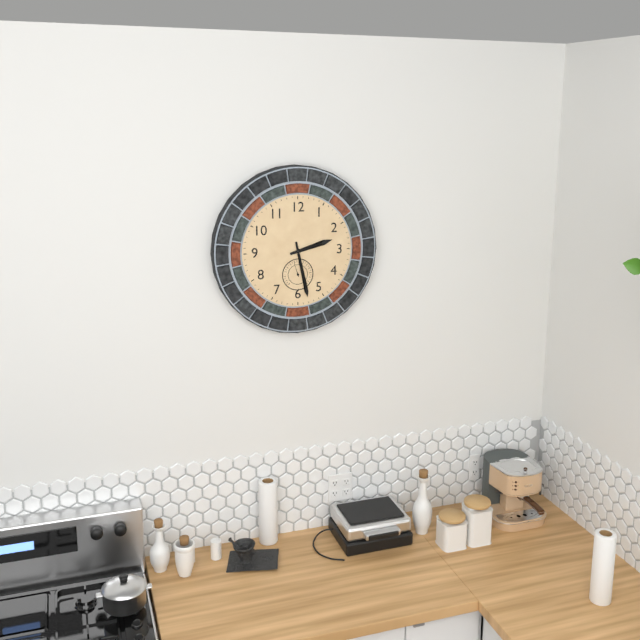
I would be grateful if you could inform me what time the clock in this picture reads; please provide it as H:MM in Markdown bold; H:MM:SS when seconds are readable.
**2:28**
